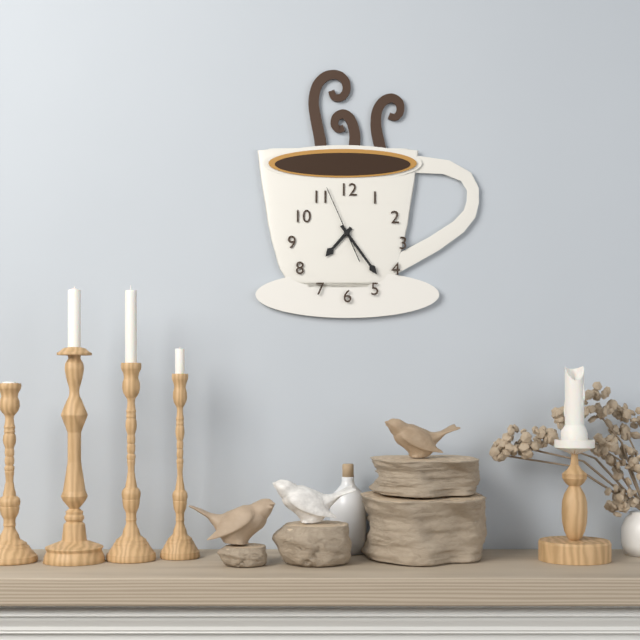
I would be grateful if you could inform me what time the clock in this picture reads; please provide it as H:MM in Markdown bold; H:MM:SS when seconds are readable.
**7:24:56**
